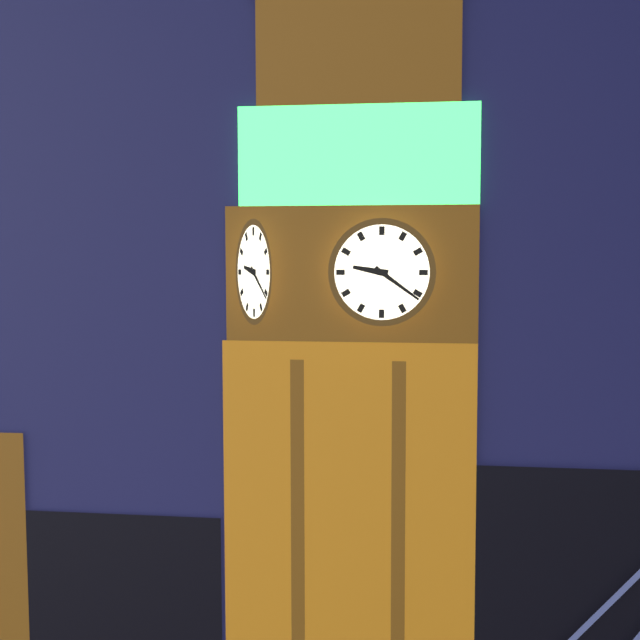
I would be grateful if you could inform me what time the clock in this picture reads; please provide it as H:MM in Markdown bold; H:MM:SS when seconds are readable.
**9:21**
